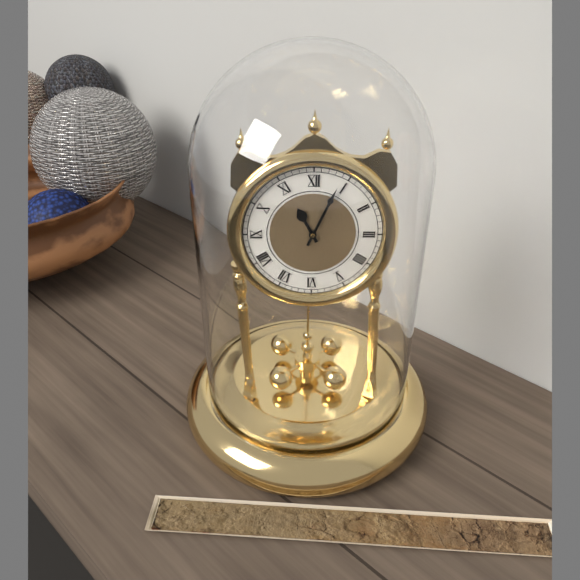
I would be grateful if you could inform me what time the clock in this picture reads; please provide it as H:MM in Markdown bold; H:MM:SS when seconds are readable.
**11:04**
